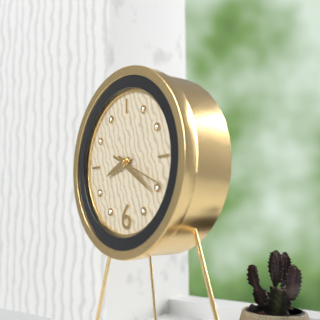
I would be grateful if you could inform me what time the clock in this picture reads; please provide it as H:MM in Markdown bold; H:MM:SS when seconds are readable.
**8:21**
